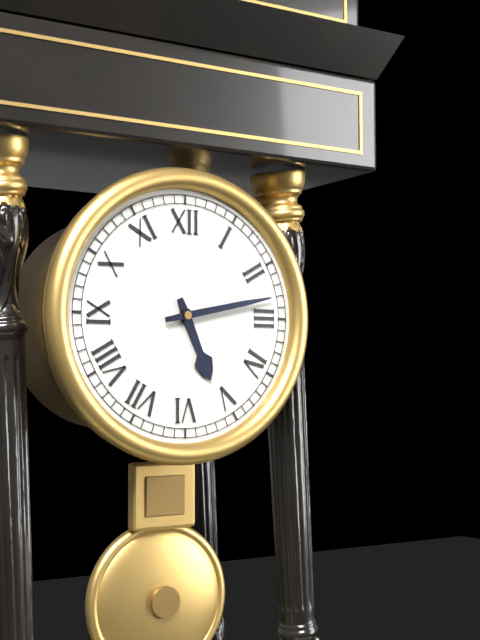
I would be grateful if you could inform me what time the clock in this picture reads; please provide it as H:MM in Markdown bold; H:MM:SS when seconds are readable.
**5:13**
